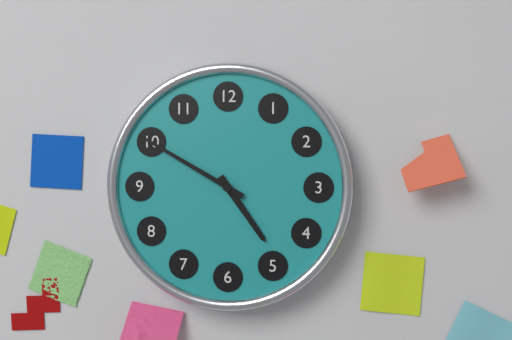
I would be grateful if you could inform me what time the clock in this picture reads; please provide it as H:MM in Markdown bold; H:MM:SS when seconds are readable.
**4:50**
